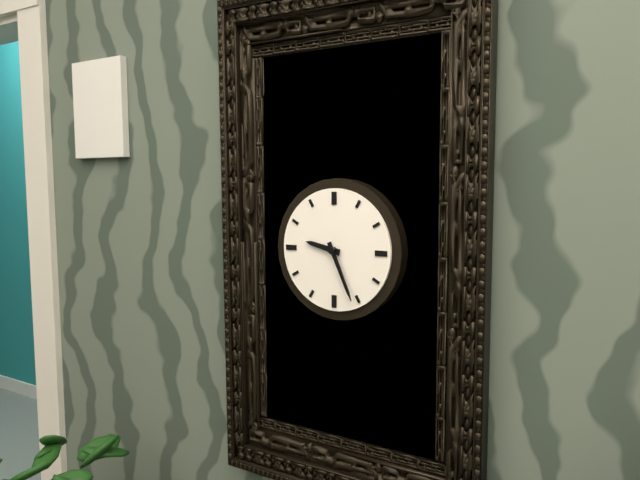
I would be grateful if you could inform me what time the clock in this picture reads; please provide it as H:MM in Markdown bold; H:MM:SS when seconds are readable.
**9:26**
